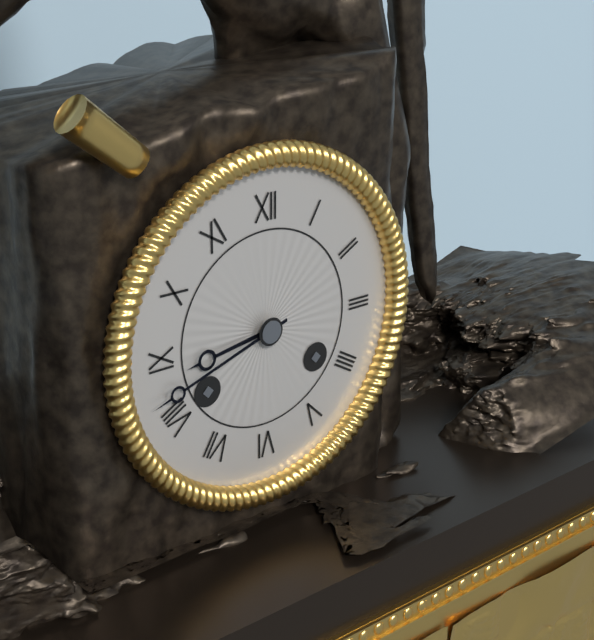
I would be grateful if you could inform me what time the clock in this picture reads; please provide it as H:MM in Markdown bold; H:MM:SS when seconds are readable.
**8:42**
